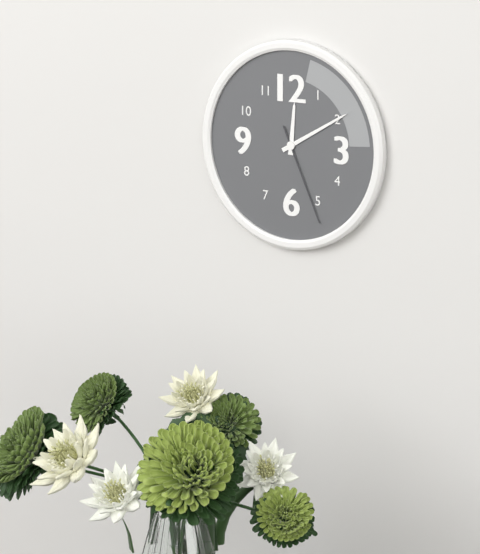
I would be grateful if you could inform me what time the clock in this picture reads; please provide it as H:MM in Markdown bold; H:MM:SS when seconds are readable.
**12:10:26**
